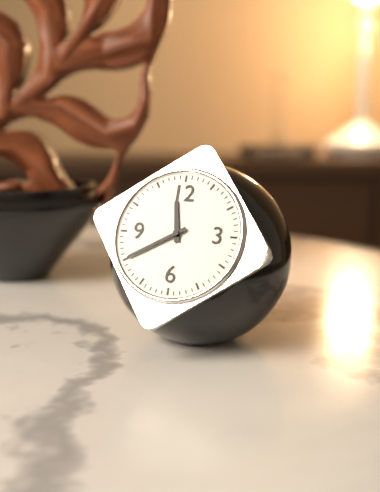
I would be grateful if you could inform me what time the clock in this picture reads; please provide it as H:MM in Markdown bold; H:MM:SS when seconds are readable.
**11:40**
